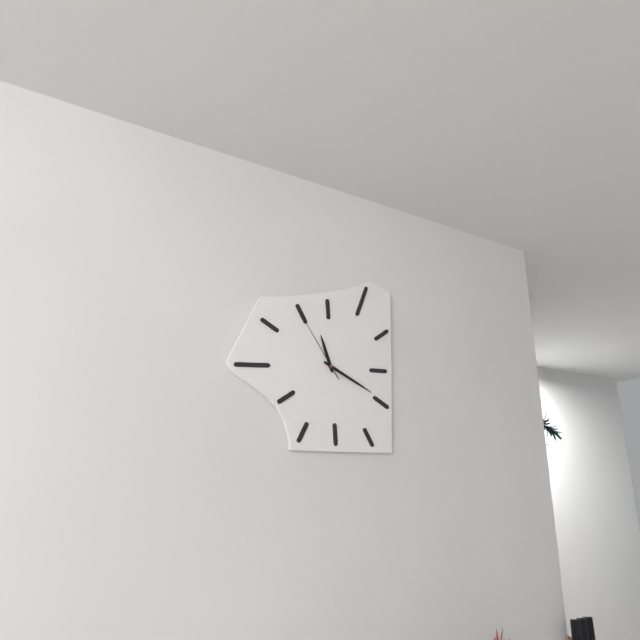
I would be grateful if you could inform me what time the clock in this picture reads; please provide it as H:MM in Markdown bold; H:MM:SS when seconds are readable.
**11:19:54**
